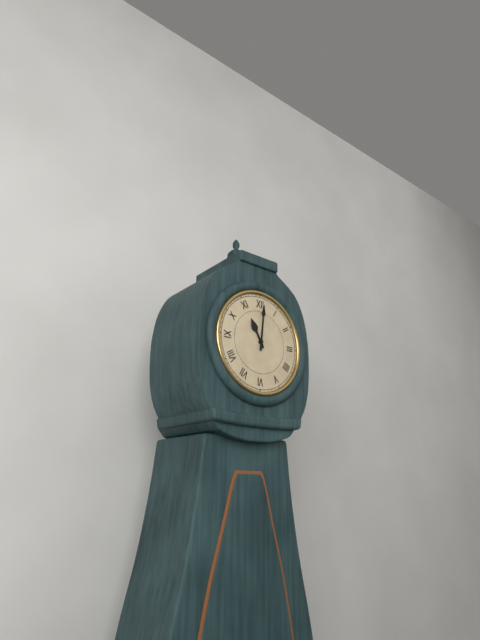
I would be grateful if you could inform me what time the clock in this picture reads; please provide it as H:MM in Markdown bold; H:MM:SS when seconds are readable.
**11:01**
